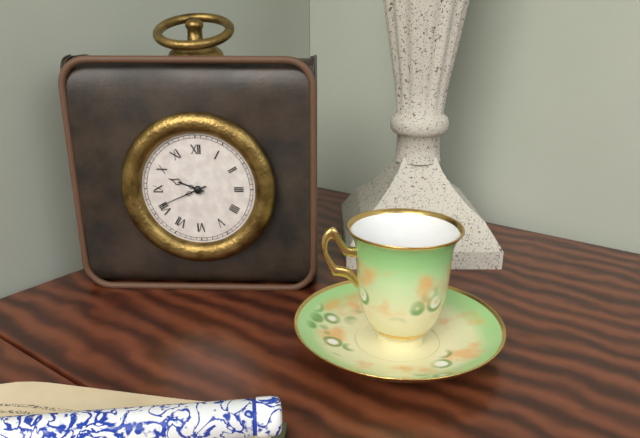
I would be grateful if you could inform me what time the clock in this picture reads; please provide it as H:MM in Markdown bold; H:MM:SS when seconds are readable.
**9:41**
